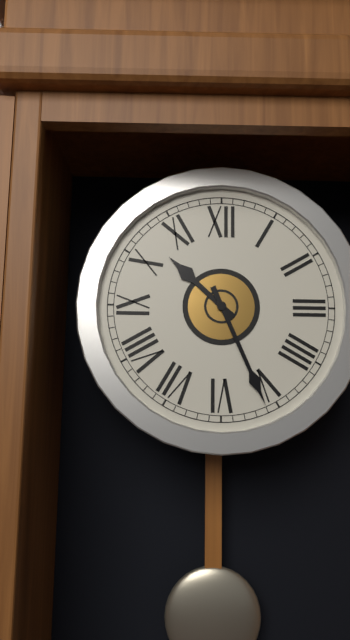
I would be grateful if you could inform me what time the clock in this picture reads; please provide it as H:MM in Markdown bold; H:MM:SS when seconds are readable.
**10:26**
